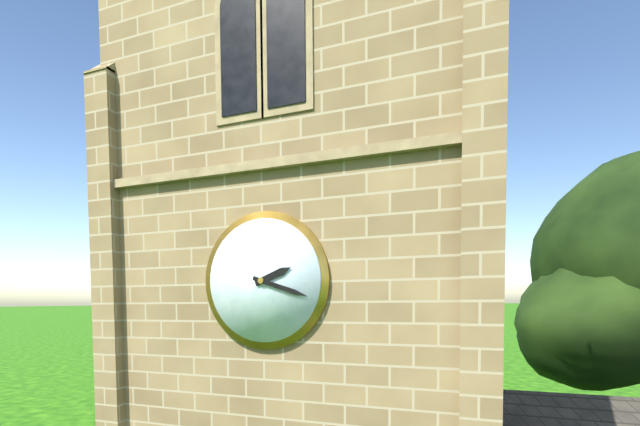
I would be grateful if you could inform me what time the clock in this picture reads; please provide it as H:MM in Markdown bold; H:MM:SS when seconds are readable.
**2:18**
